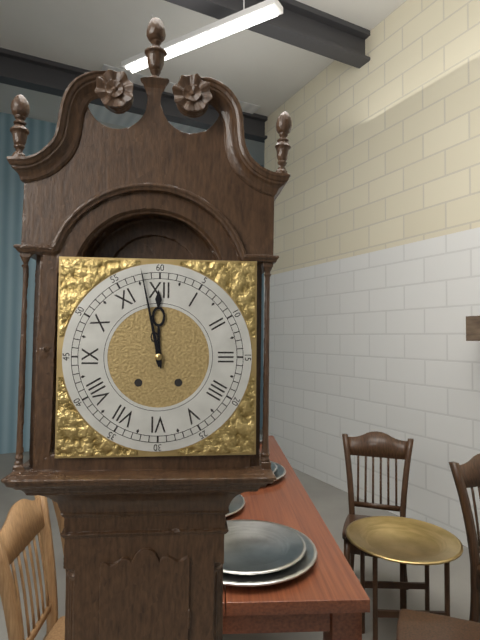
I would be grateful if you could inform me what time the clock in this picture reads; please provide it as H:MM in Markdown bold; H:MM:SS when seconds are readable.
**11:58**
